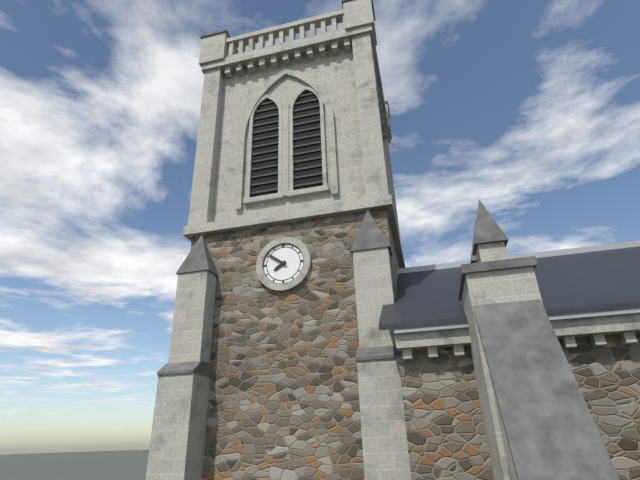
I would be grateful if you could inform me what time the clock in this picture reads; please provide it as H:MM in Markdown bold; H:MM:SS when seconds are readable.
**7:51**
